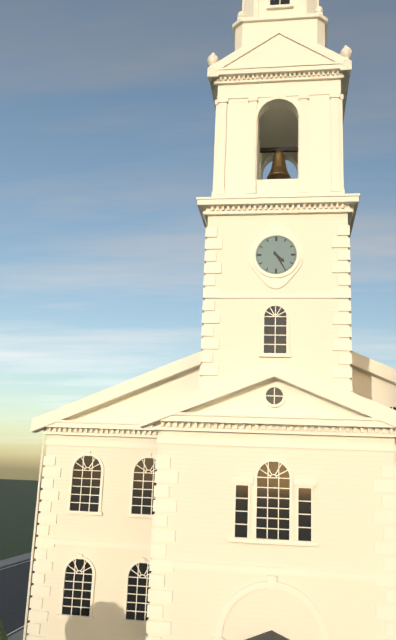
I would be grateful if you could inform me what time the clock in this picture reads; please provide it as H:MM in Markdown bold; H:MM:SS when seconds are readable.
**4:25**
